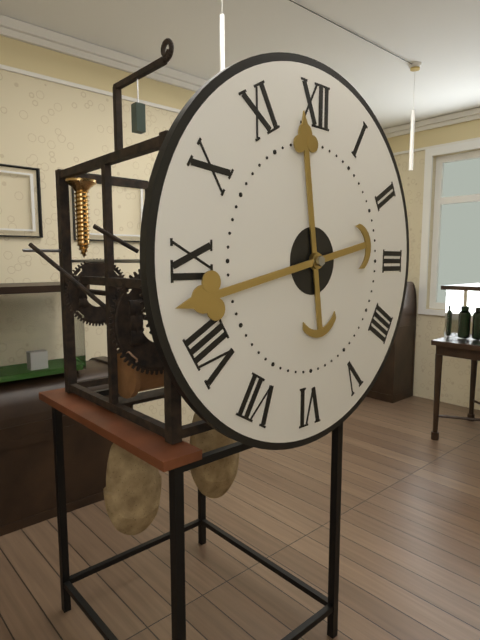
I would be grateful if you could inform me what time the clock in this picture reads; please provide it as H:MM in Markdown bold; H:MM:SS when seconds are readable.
**11:43**
